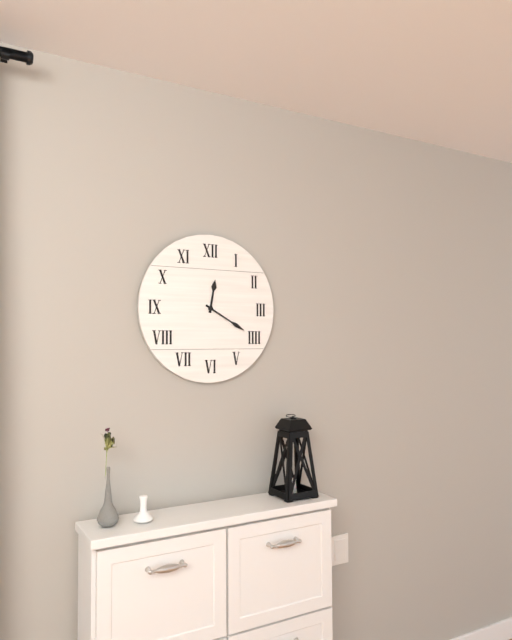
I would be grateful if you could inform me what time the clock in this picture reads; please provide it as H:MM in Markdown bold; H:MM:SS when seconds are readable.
**12:20**
